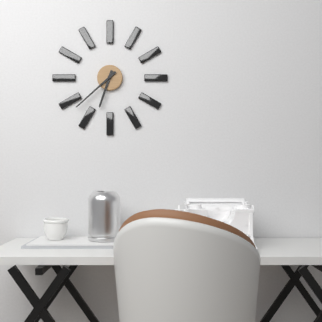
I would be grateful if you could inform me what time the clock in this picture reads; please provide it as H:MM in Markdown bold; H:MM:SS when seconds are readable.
**6:38**
